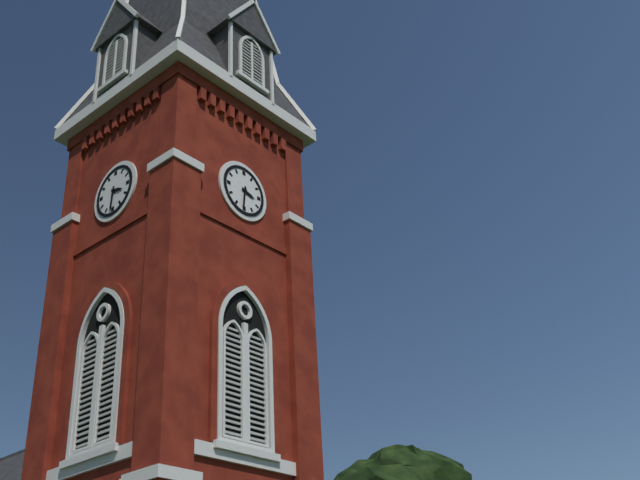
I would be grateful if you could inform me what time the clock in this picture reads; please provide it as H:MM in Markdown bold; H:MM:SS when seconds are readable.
**3:31**
